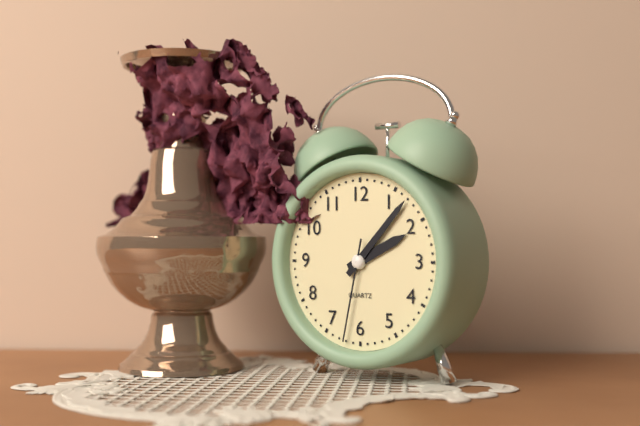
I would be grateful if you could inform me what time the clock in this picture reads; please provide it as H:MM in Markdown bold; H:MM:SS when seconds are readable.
**2:07:32**
